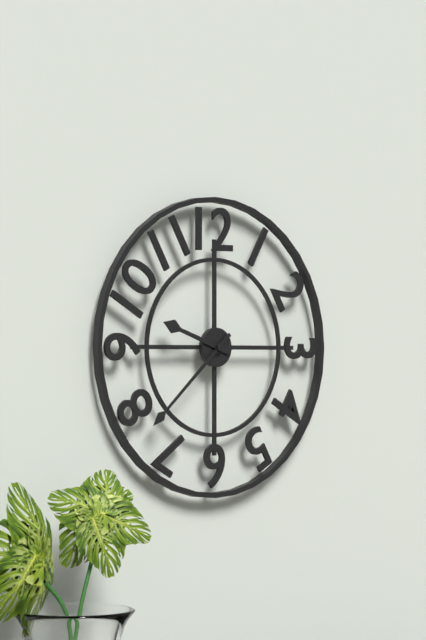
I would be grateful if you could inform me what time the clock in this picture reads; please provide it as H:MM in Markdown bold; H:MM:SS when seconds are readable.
**9:38**
